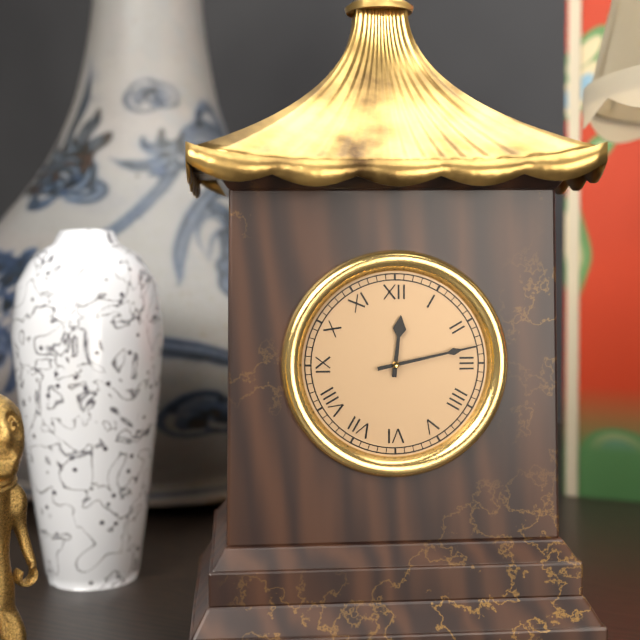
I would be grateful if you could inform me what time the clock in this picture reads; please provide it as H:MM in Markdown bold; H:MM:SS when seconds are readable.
**12:13**
